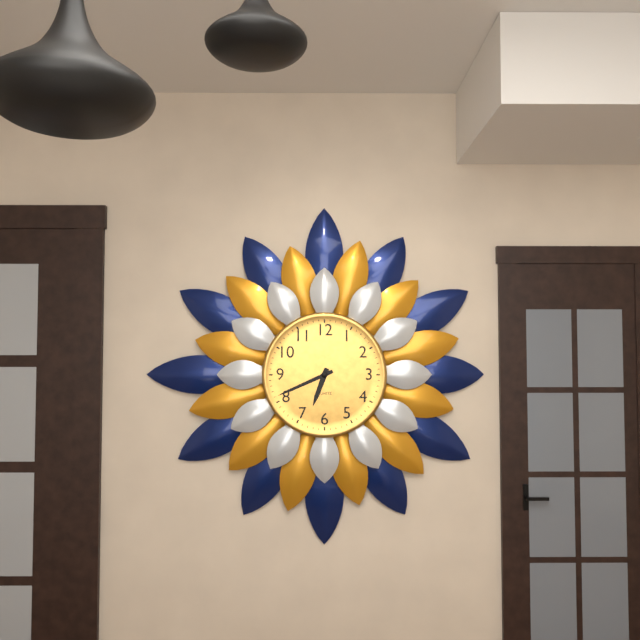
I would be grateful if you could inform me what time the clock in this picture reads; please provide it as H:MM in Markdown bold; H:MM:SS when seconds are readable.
**6:41**
